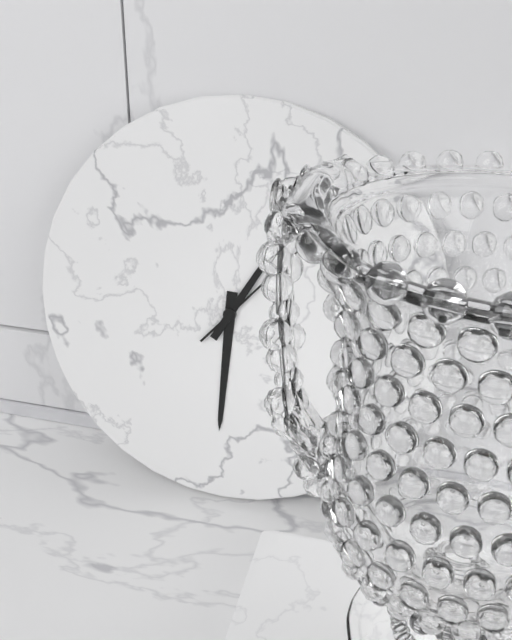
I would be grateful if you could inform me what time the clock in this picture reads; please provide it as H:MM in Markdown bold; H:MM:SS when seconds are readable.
**6:05:07**
